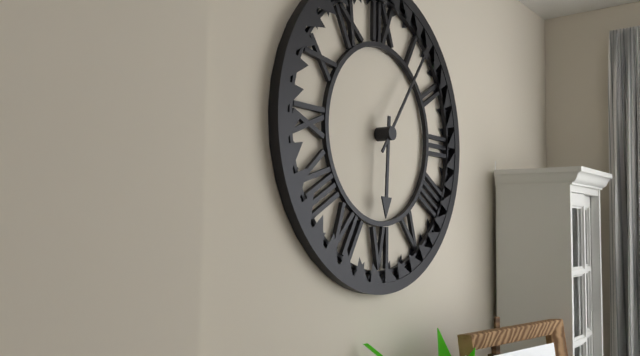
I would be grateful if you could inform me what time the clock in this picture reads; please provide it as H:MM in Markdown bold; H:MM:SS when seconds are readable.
**6:06**
